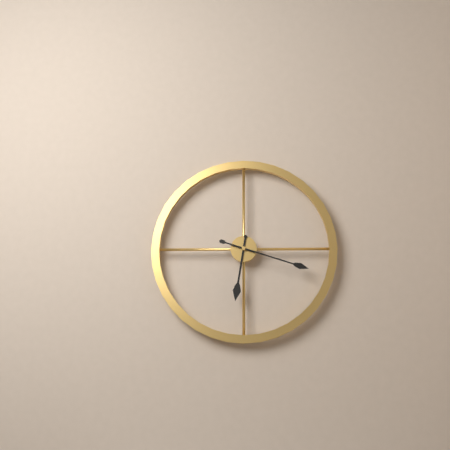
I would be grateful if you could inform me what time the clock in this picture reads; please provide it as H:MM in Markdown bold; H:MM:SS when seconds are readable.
**6:18**
